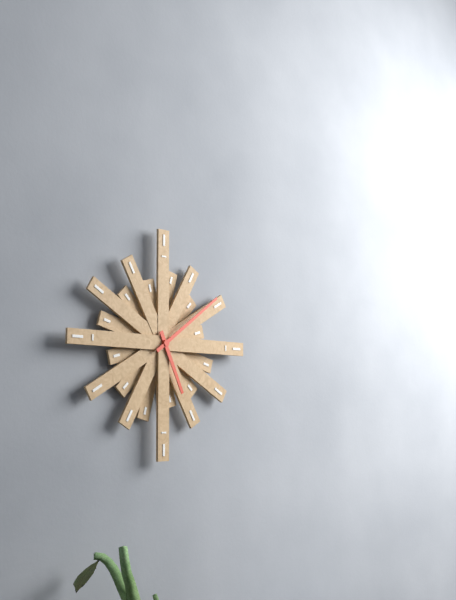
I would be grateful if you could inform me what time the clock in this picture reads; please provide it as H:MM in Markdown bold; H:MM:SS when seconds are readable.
**5:09**
